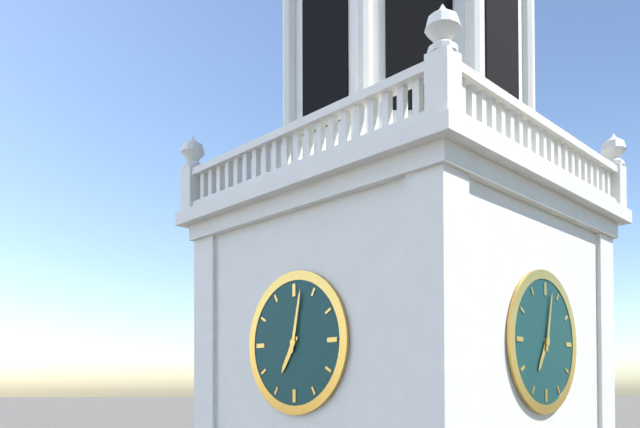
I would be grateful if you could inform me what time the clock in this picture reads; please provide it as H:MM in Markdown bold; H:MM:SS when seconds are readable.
**7:02**
